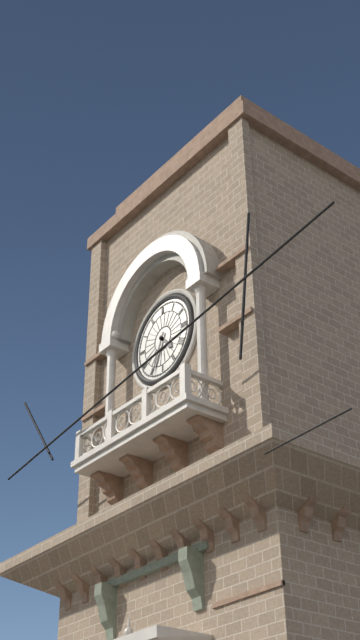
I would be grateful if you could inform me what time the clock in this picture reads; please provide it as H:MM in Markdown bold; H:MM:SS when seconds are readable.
**4:34**
